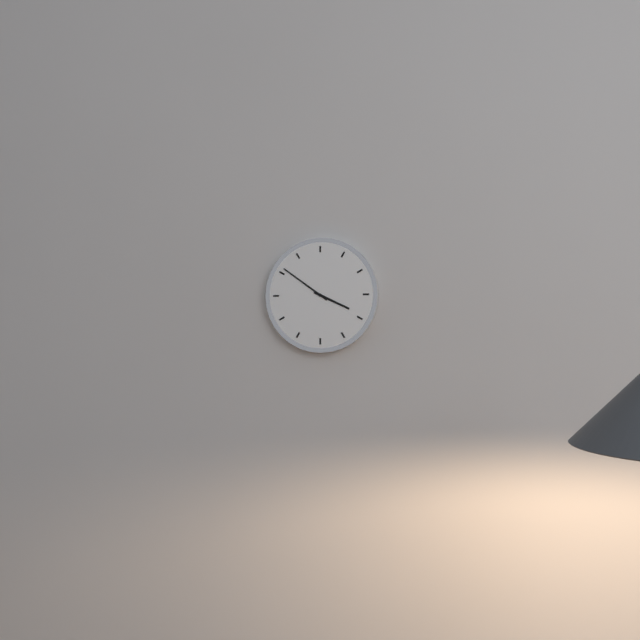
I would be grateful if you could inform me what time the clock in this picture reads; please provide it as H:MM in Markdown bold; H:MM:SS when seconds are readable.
**3:51**
